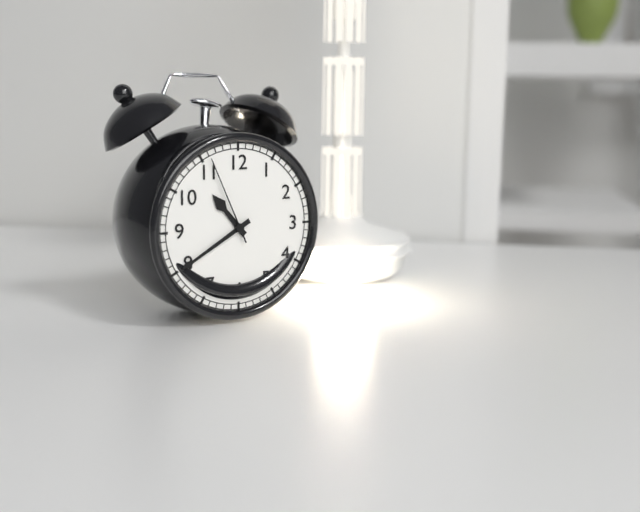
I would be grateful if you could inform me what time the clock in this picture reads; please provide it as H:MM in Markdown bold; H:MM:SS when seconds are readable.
**10:40:56**
